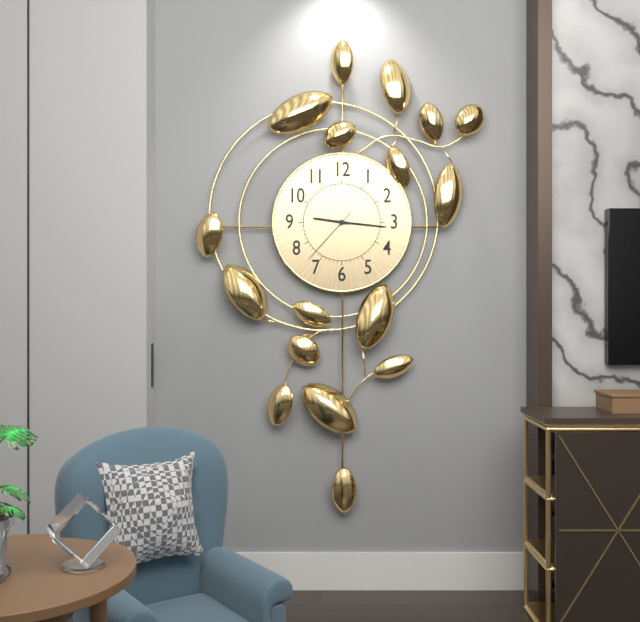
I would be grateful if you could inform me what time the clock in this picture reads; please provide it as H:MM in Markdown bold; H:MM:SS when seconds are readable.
**9:16:37**
